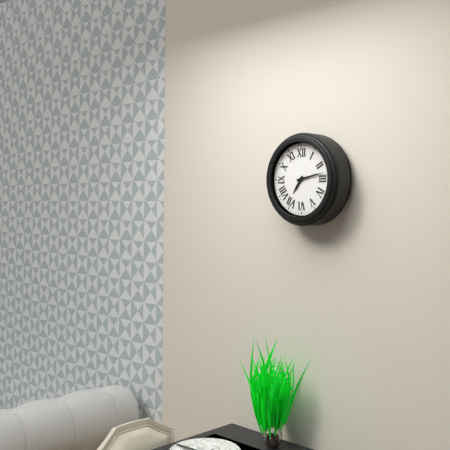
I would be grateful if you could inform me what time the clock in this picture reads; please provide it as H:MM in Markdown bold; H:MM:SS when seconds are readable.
**7:13**
